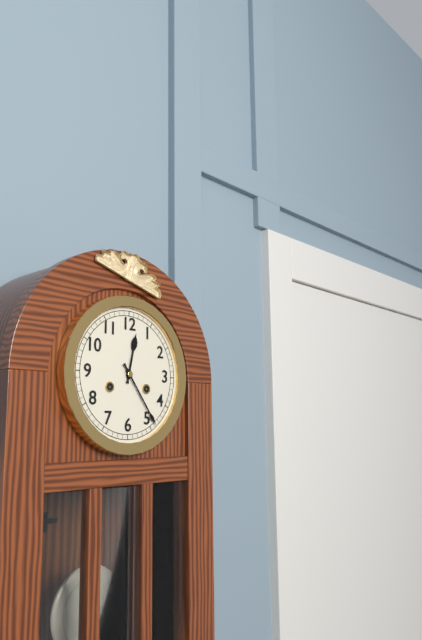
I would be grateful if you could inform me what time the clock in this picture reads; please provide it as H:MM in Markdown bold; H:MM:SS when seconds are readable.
**12:24**
